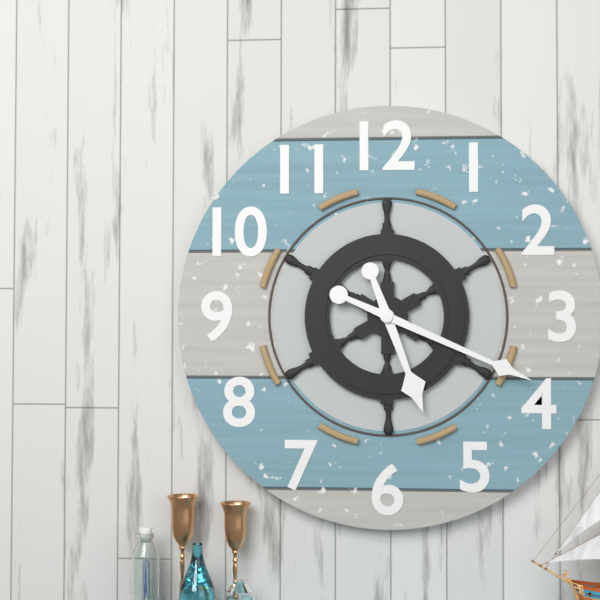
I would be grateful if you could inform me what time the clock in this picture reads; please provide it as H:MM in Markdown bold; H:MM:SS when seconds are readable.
**5:19**
